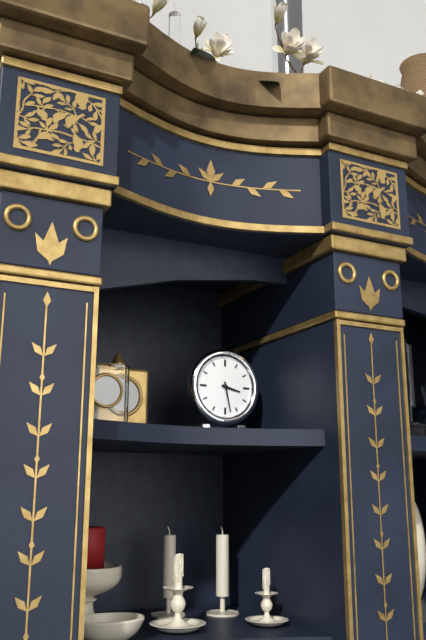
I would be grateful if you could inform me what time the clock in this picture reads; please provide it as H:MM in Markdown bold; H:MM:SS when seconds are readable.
**3:28**
